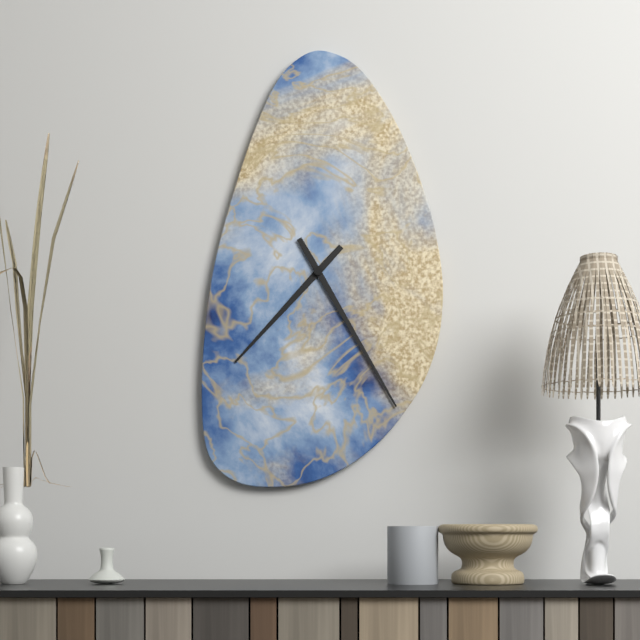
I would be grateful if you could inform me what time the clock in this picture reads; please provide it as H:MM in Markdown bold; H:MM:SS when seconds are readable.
**7:25**
